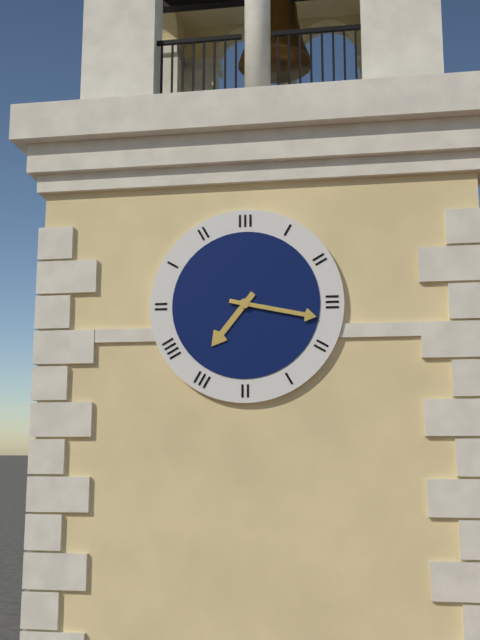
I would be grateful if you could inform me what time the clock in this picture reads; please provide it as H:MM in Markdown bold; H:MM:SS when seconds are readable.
**7:17**
